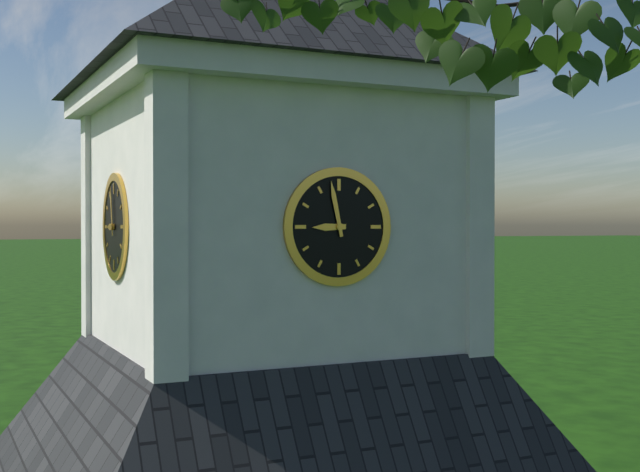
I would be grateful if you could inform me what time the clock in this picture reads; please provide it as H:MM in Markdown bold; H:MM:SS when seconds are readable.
**8:58**
